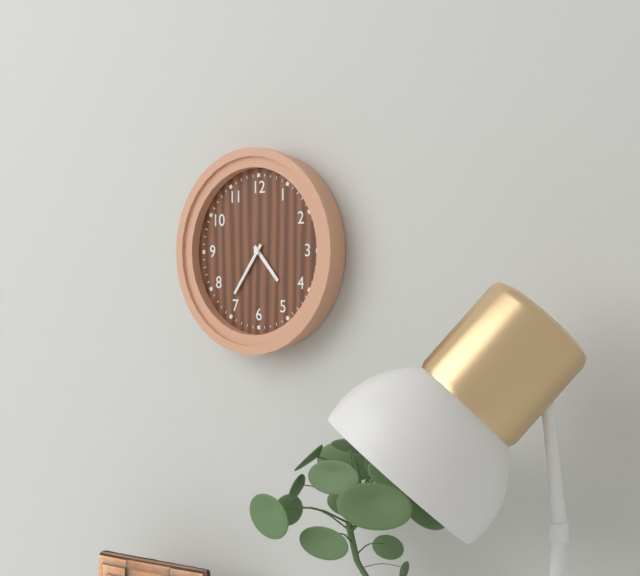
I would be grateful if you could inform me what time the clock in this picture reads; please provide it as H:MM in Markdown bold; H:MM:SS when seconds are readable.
**4:36**
